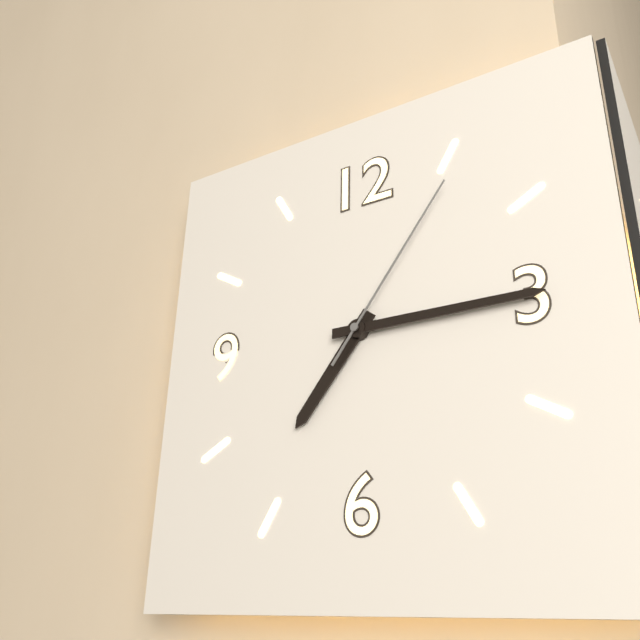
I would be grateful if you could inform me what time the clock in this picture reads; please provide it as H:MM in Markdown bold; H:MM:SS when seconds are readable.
**7:15:06**
